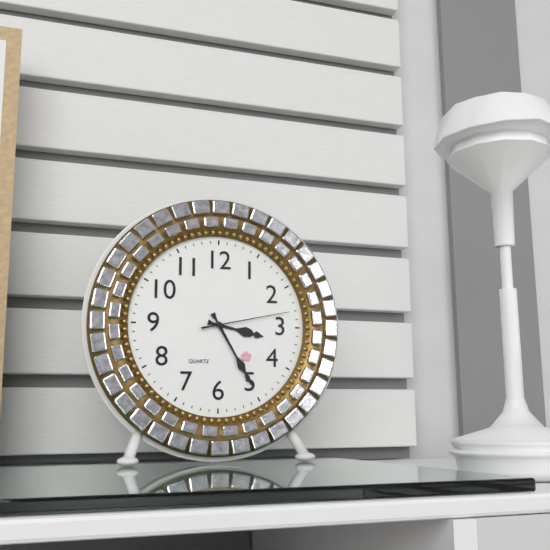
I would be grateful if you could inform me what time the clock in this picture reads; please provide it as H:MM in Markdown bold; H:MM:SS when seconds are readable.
**3:25:13**
